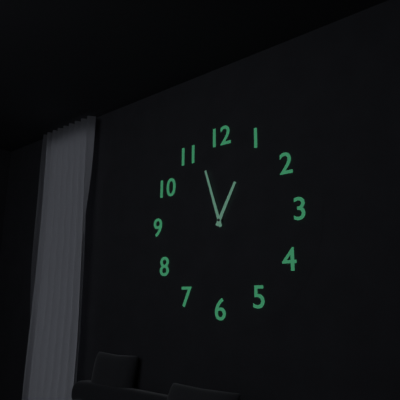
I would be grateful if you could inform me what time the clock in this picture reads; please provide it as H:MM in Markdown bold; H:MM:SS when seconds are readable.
**12:57**
